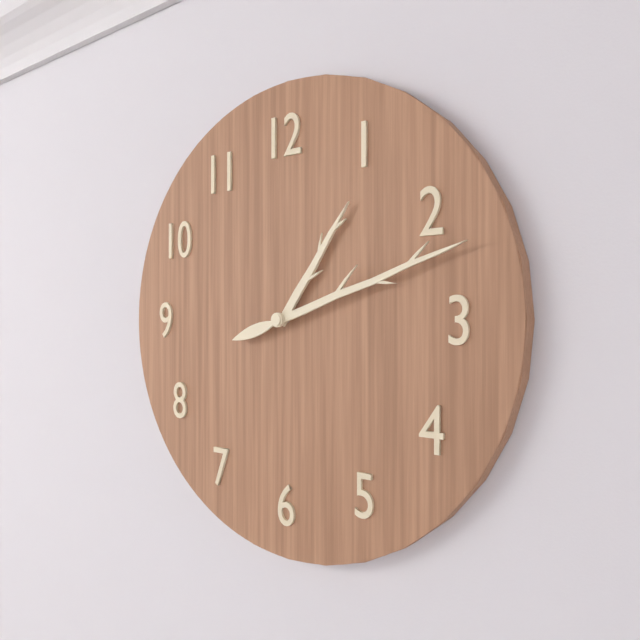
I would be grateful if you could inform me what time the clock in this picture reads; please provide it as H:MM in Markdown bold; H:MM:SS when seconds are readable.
**1:12**
